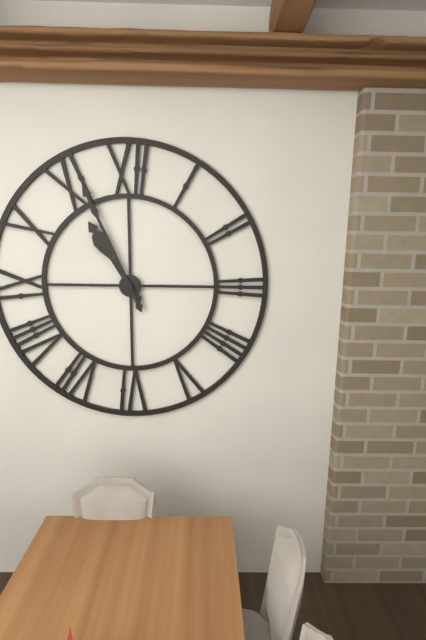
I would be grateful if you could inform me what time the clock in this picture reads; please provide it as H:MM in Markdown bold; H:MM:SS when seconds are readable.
**10:56**
